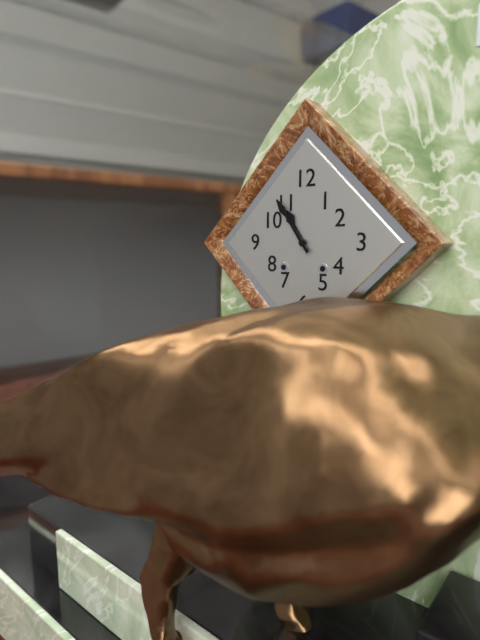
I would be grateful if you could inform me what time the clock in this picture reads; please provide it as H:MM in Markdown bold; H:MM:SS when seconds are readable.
**10:54**
